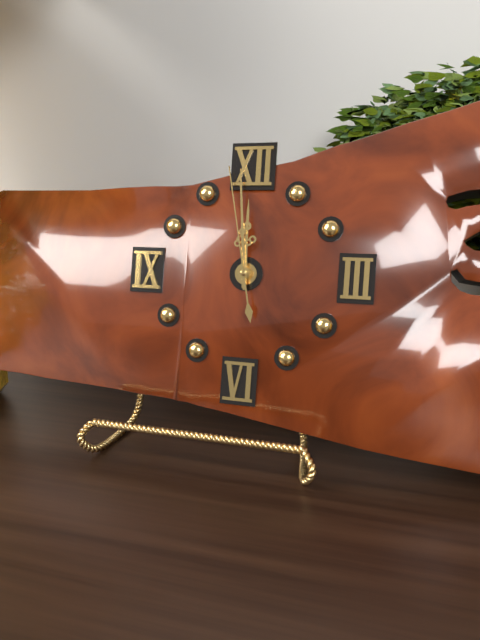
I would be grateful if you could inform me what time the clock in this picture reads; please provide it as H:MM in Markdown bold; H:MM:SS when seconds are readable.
**11:59:58**
